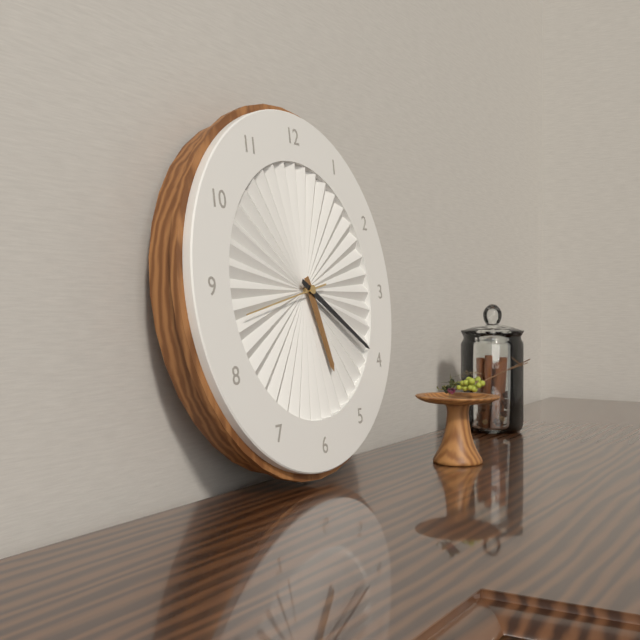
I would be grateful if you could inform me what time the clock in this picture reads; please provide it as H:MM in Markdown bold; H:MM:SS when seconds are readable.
**5:20:43**
